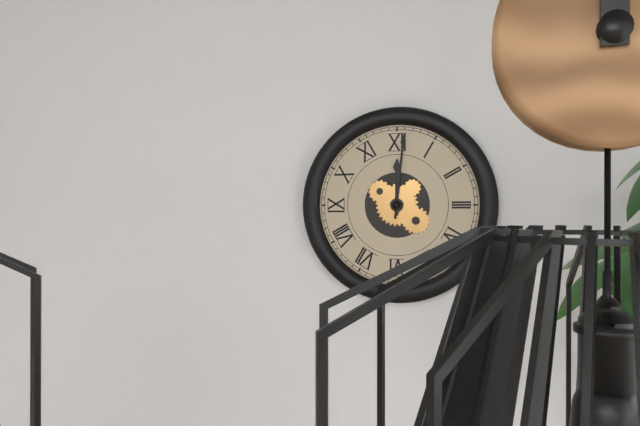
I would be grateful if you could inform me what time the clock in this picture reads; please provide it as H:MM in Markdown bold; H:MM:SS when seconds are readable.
**12:01**
